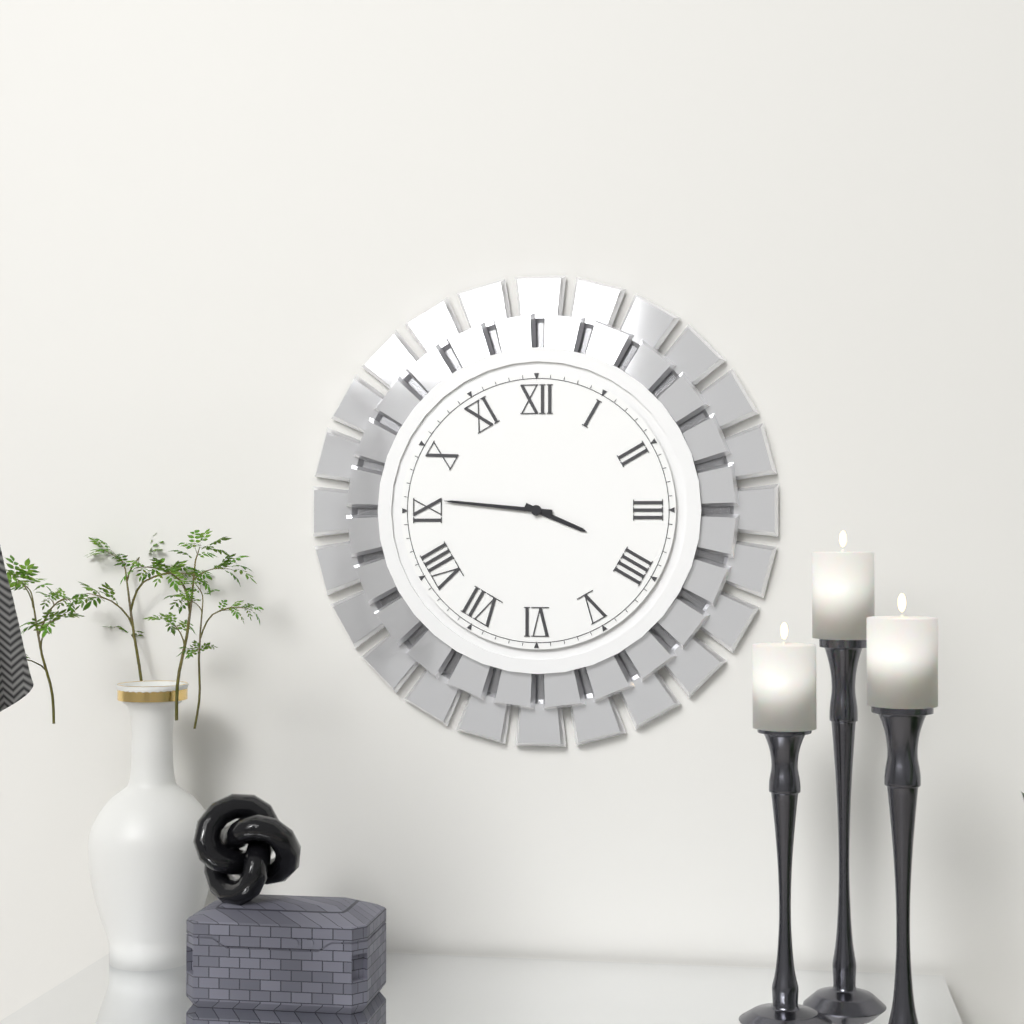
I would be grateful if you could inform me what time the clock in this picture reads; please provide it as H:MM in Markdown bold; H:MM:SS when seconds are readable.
**3:46**
